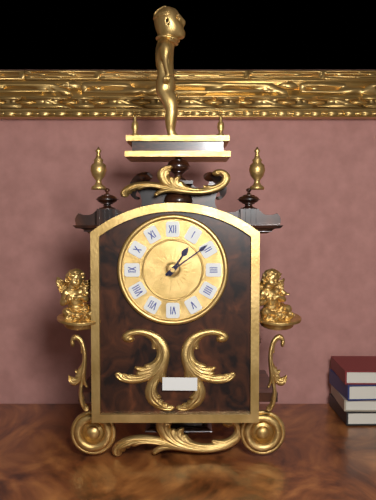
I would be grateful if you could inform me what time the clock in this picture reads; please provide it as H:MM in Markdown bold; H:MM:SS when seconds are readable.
**1:09**
